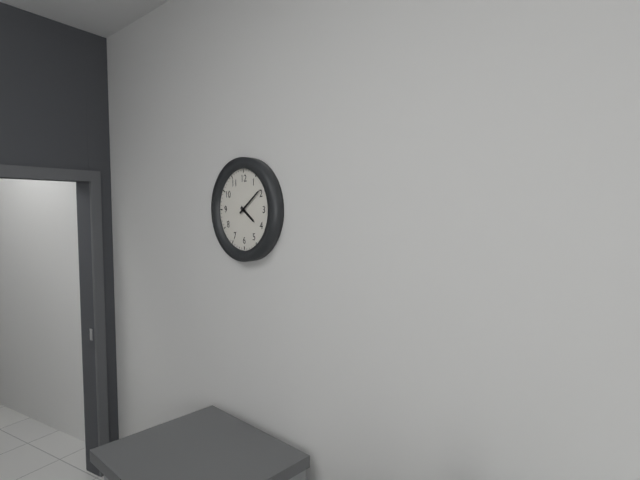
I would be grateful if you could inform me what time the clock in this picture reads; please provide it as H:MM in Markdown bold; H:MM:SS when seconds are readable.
**4:09**
